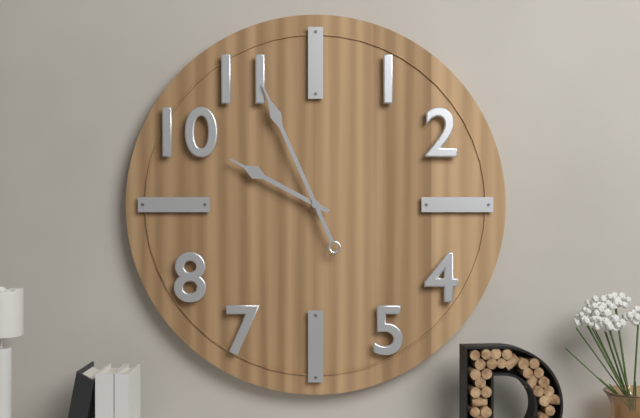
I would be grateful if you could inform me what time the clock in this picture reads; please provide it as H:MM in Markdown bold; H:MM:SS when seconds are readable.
**9:56**
